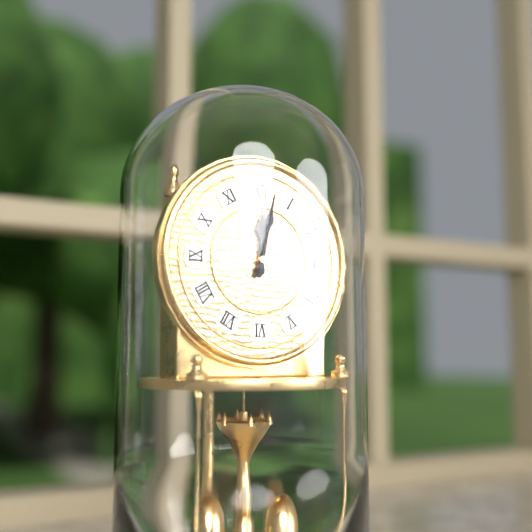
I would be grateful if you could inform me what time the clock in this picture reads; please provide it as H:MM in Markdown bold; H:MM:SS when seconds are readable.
**12:02**
